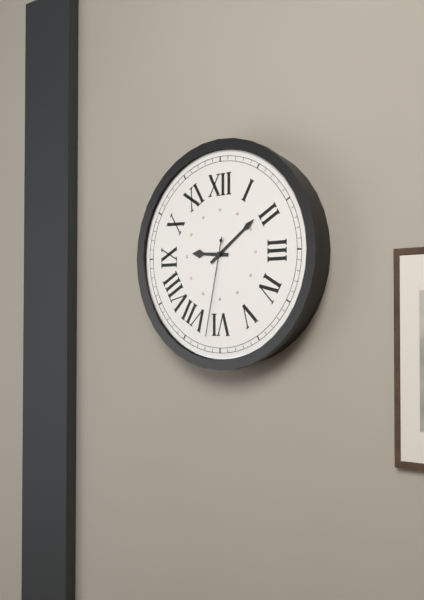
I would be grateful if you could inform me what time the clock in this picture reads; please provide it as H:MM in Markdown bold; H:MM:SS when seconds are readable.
**9:09:32**
